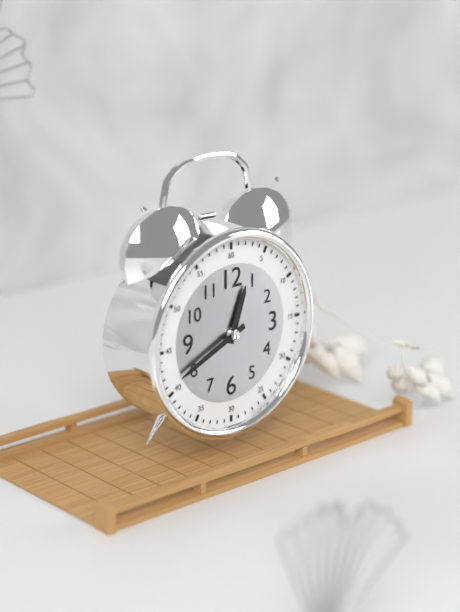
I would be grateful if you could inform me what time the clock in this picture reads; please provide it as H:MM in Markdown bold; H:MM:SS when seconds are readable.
**12:41**
